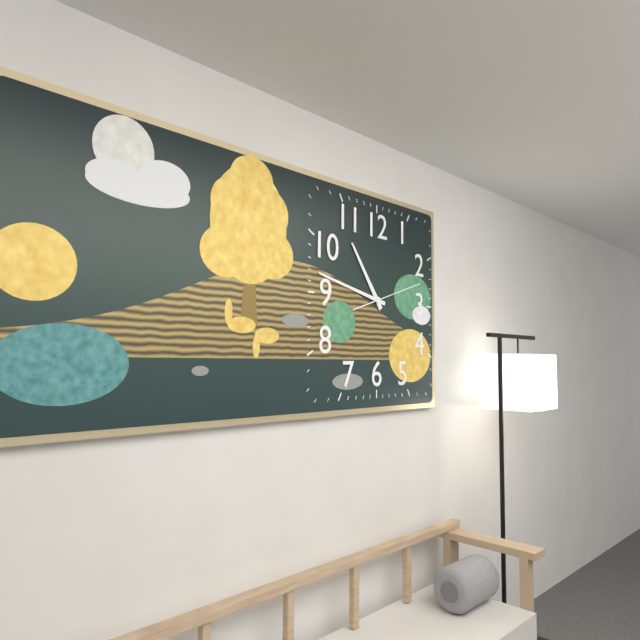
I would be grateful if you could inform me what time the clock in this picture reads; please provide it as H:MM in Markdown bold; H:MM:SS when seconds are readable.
**10:47:12**
